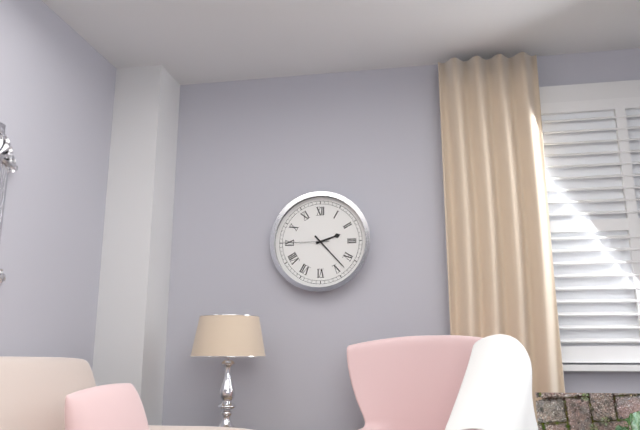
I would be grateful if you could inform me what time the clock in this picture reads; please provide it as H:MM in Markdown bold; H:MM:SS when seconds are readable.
**2:23**
